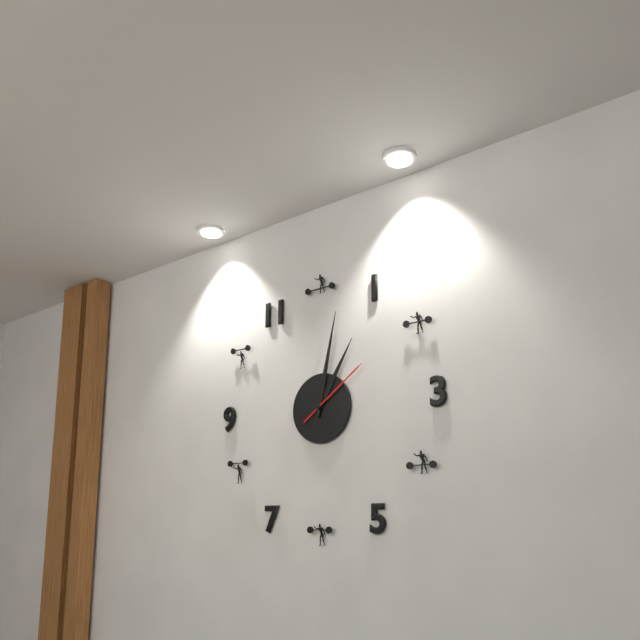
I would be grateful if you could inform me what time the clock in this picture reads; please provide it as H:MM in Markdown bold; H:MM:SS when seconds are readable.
**1:02:09**
